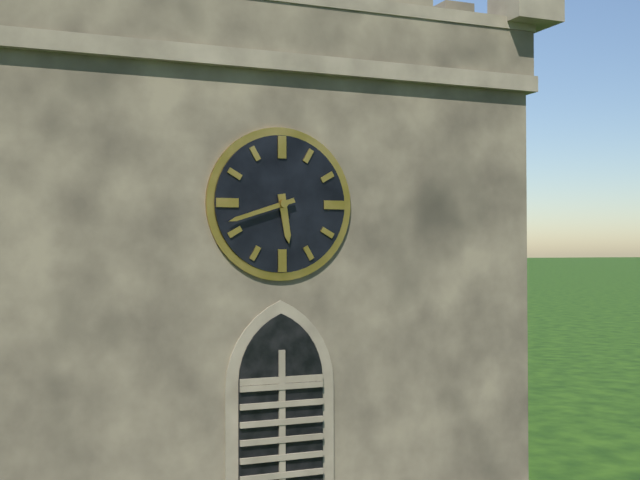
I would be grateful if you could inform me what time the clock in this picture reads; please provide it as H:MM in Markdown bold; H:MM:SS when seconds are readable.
**5:42**
